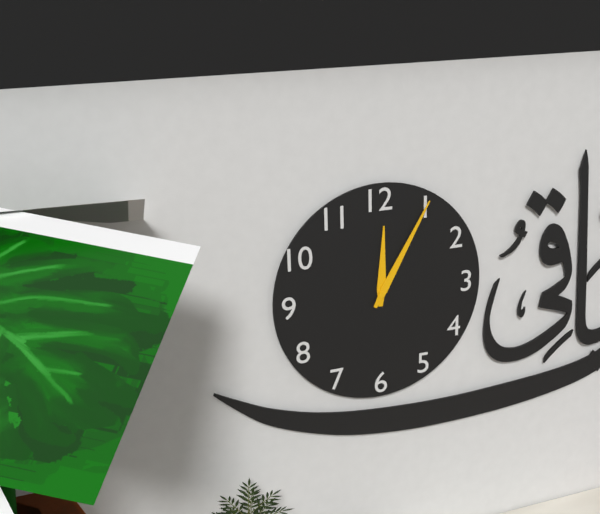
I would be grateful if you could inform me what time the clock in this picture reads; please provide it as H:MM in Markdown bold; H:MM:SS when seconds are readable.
**12:05**
